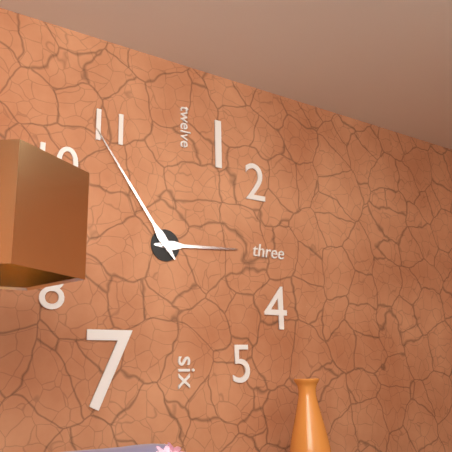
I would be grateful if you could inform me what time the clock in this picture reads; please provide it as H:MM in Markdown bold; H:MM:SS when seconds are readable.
**2:54**
